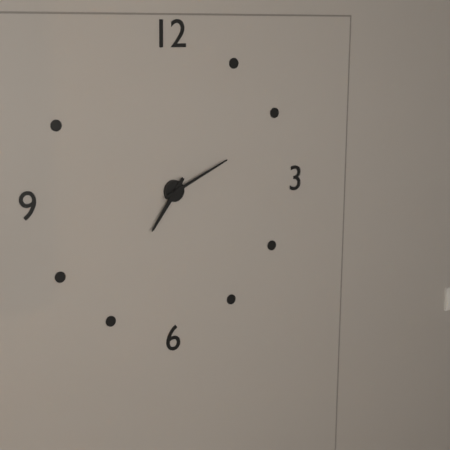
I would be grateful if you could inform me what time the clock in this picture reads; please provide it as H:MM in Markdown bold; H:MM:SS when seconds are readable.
**7:11**
